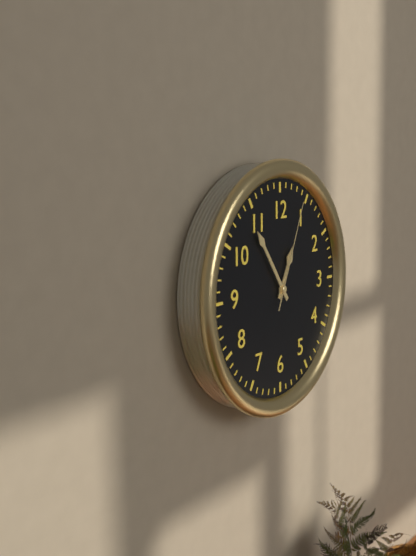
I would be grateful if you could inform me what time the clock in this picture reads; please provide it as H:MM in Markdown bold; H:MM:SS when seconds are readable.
**12:54:04**
